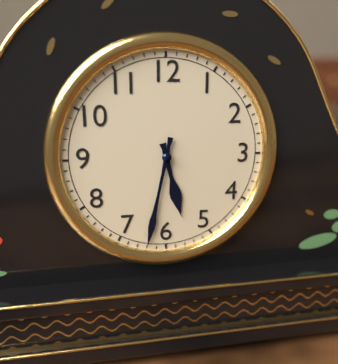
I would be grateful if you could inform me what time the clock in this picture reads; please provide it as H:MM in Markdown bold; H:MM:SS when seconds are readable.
**5:32**
